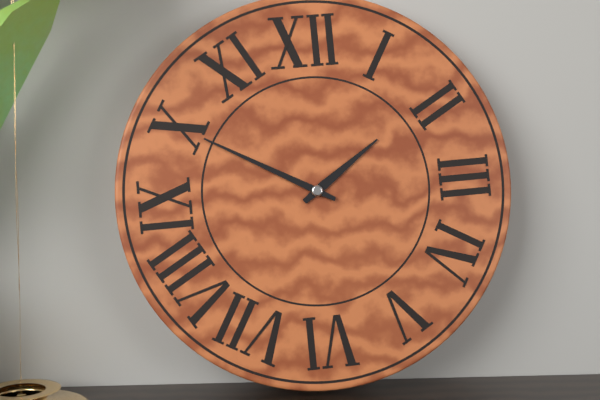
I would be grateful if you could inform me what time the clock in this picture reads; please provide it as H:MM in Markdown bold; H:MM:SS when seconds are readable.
**1:50**
